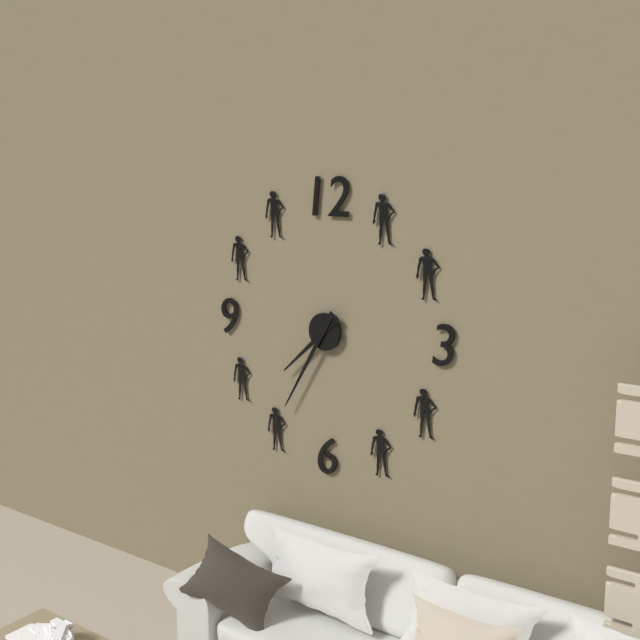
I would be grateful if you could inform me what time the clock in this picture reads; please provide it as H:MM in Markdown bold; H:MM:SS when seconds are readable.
**7:35**
